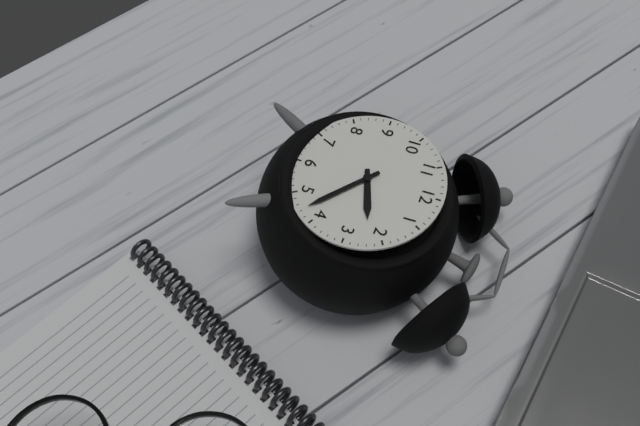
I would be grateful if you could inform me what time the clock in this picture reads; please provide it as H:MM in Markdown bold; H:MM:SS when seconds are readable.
**2:22**
